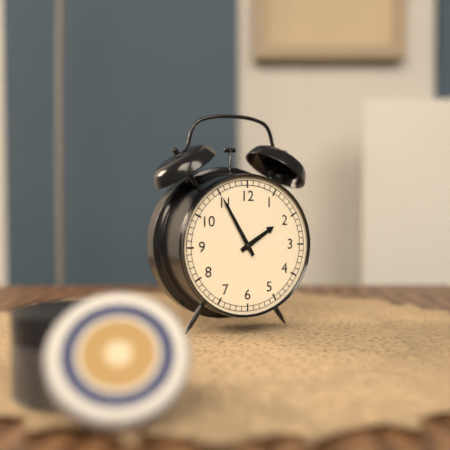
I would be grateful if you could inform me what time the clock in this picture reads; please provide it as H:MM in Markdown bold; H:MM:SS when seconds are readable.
**1:55**
